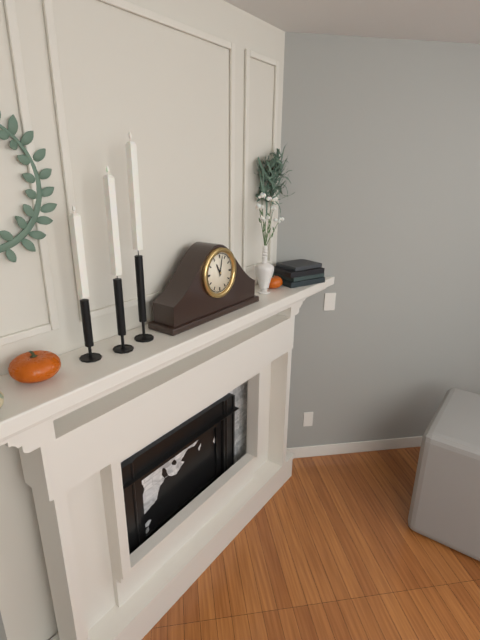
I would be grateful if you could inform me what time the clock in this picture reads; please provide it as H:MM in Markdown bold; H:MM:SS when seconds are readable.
**11:02**
